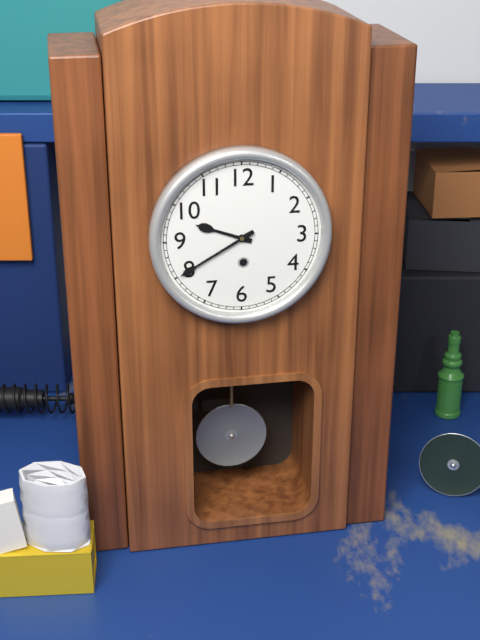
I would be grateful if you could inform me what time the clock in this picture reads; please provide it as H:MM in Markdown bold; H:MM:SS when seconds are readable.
**9:40**
